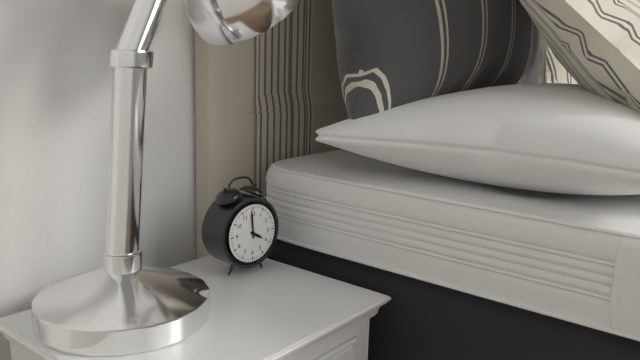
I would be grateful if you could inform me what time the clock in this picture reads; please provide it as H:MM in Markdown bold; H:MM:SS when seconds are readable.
**3:59**
